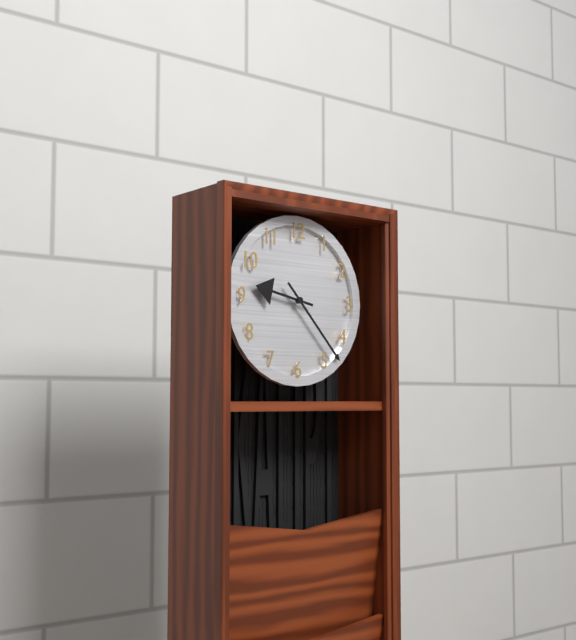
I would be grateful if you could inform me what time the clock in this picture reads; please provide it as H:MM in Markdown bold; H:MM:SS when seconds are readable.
**9:23**
